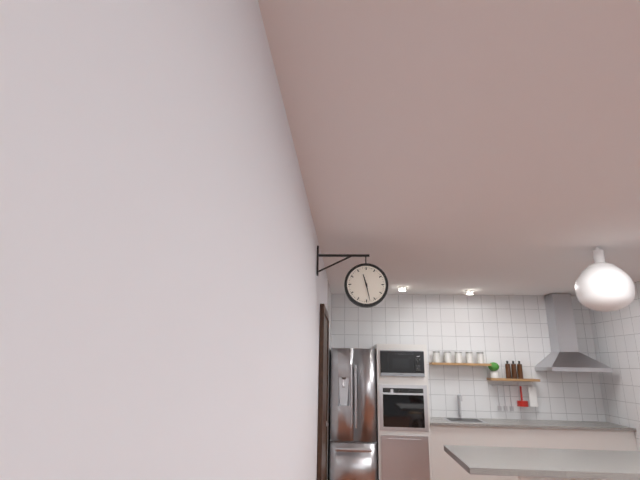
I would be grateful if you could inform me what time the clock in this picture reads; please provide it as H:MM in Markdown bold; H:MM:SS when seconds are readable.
**11:28**
